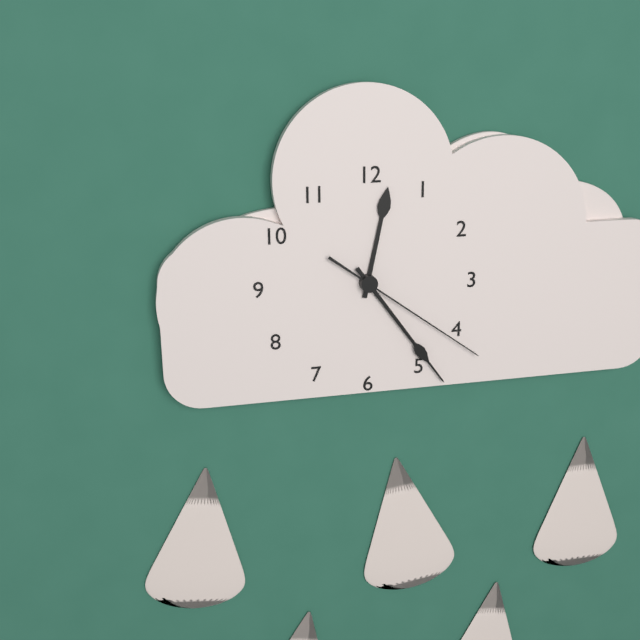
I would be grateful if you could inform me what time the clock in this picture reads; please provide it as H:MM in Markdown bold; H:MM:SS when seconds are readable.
**12:24:21**
